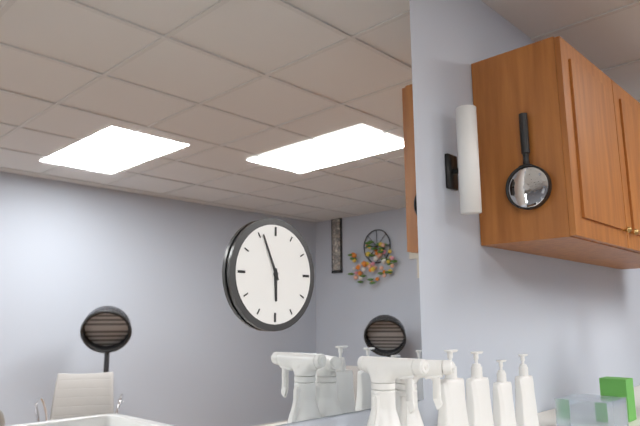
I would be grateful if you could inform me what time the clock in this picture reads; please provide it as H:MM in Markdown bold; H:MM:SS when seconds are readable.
**5:56**
